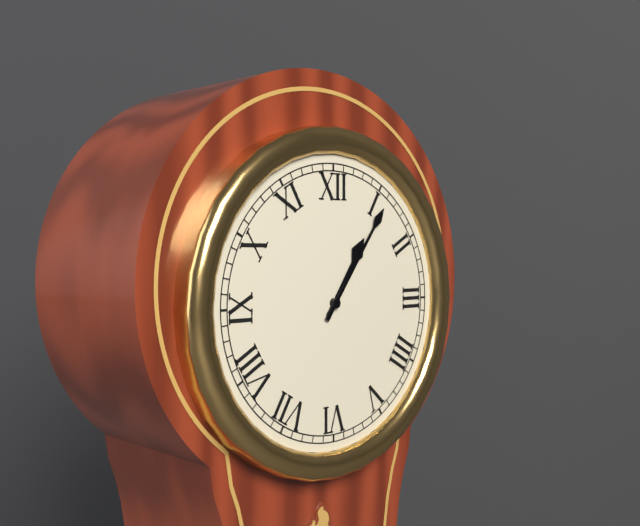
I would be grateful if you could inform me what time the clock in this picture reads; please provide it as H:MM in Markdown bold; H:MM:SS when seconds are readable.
**1:06**
